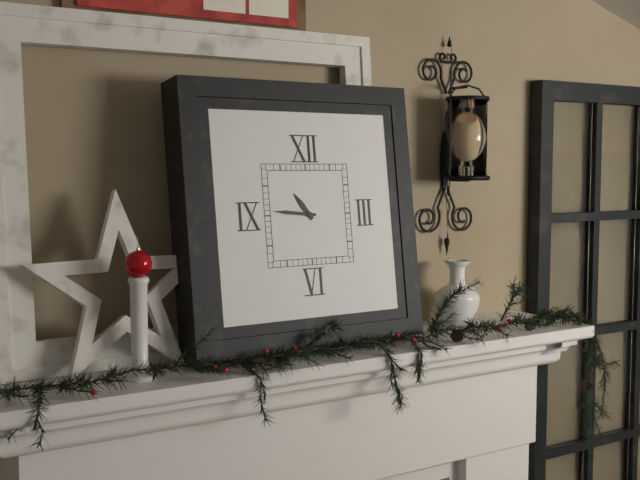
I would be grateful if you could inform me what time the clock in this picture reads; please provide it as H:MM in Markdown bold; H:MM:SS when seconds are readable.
**10:46**
